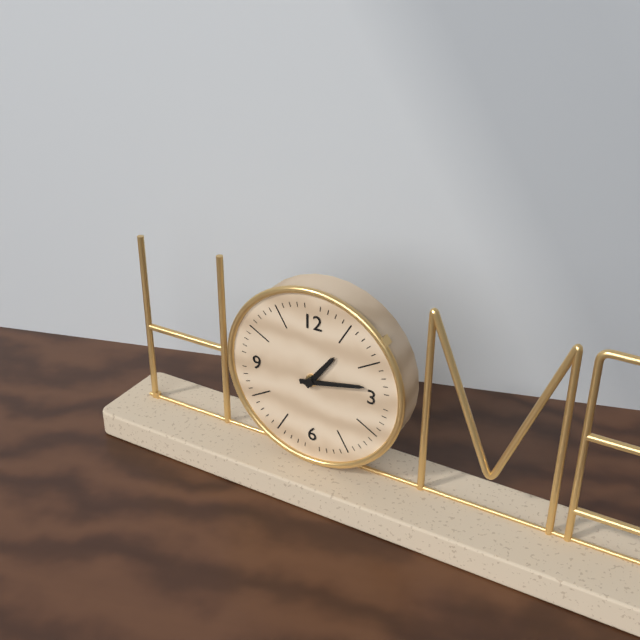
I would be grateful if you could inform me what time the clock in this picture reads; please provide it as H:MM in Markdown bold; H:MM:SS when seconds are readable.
**1:13**
